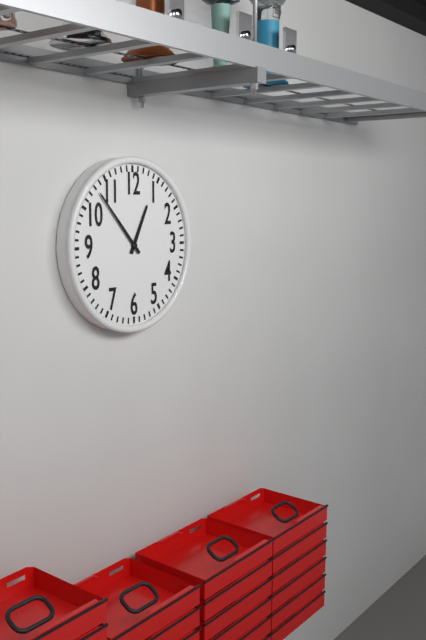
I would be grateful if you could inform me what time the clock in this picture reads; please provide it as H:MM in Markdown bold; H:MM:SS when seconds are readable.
**12:53**
